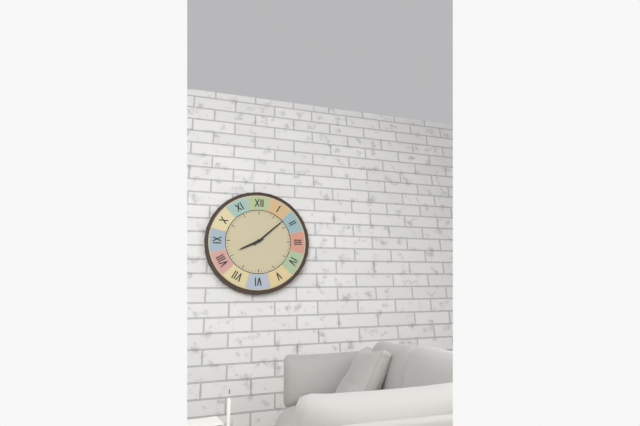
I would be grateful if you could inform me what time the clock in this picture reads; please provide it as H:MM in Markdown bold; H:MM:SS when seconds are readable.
**8:08**
